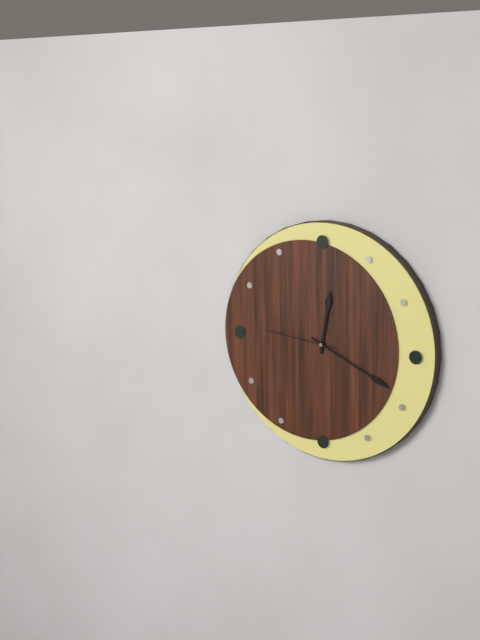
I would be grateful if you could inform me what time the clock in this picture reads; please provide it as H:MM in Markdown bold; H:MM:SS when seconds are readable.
**12:19:46**
